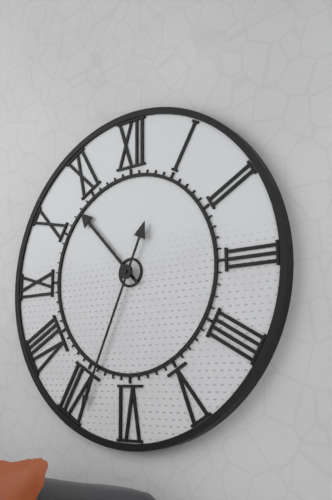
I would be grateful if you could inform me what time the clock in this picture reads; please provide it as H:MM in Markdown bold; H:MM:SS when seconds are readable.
**10:34**
